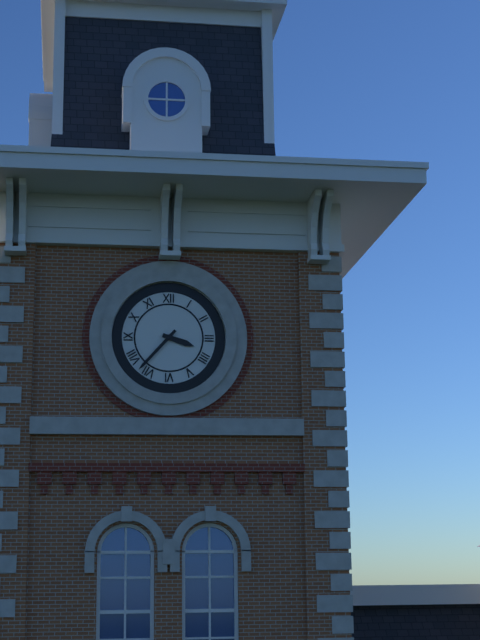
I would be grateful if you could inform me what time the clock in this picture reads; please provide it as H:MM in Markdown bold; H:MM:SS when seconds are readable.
**3:37**
